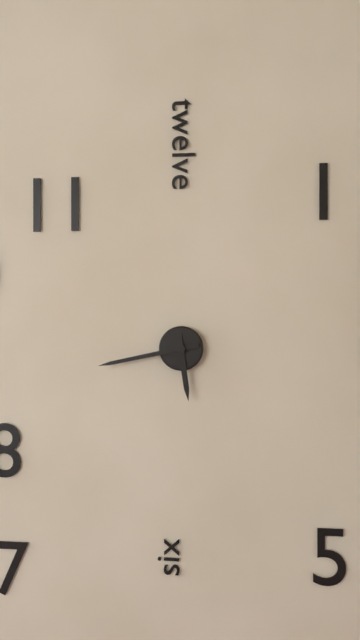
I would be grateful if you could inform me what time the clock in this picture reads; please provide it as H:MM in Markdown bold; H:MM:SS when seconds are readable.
**5:43**
